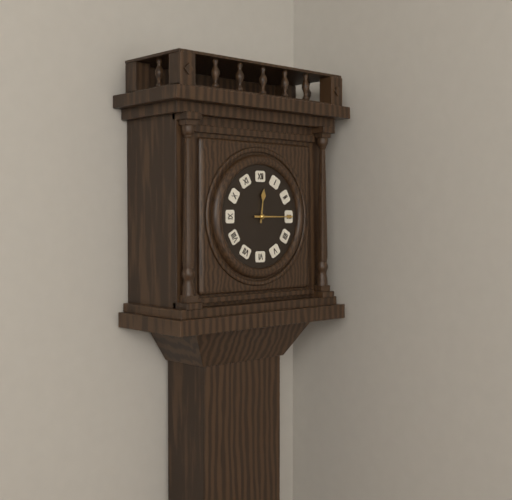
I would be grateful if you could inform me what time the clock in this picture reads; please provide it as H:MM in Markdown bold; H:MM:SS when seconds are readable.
**12:15**
